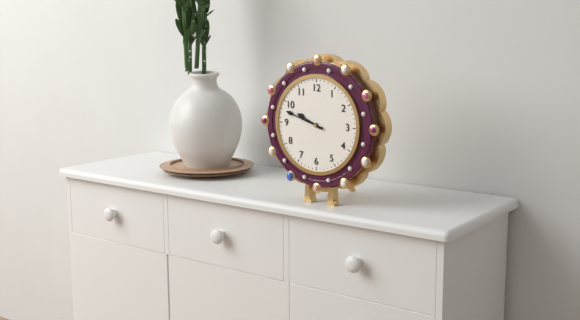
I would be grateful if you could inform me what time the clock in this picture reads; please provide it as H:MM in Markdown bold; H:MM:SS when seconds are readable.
**9:48**
